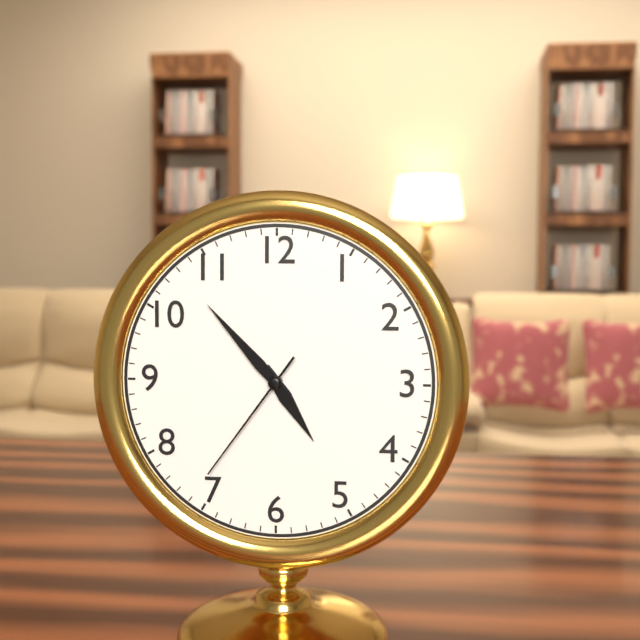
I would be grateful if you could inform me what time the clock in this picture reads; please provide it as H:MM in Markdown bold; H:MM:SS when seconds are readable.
**4:53:36**
